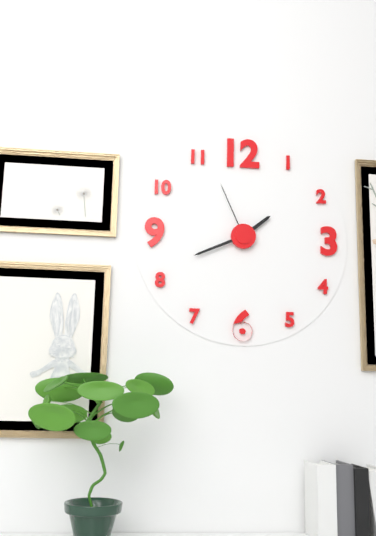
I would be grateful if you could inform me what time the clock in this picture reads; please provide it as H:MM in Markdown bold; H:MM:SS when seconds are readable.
**1:41:56**
